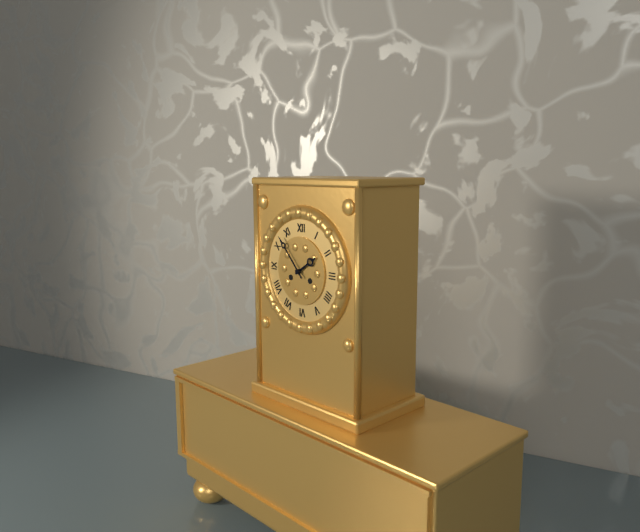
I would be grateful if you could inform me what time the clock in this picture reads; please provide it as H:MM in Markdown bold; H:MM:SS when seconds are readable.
**1:53**
